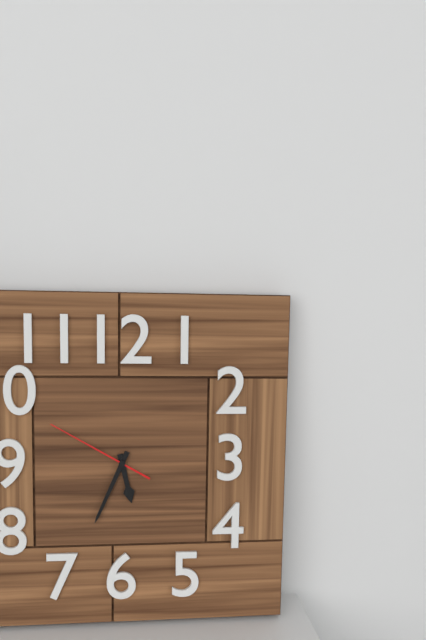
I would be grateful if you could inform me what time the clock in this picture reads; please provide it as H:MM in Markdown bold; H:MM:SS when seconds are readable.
**5:34:50**
